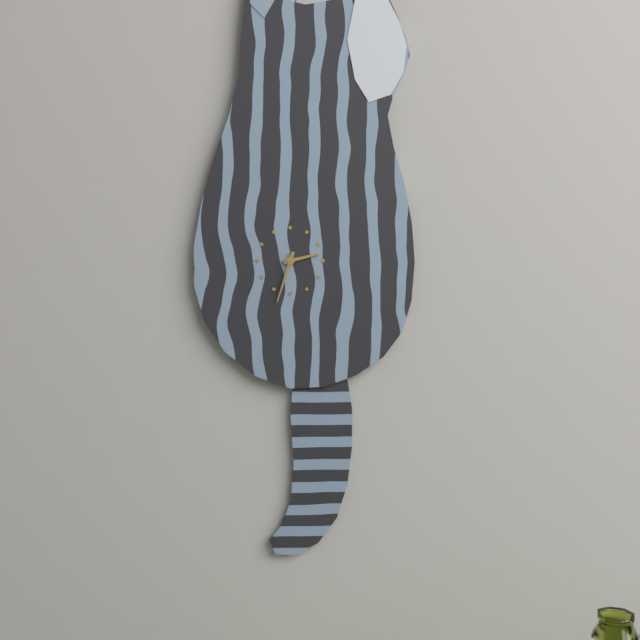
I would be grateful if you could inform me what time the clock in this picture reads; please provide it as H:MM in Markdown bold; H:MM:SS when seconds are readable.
**2:33**
